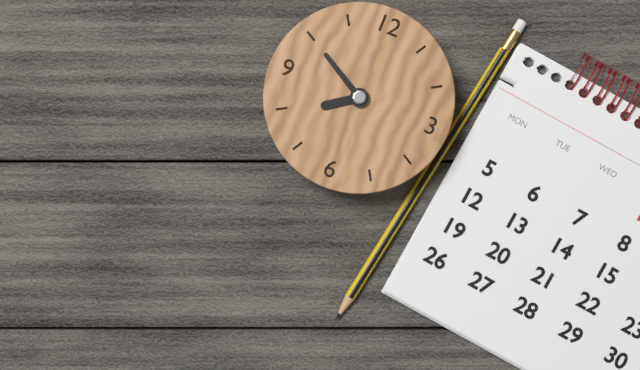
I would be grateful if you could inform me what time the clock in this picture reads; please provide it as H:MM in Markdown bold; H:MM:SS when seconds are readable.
**7:50**
